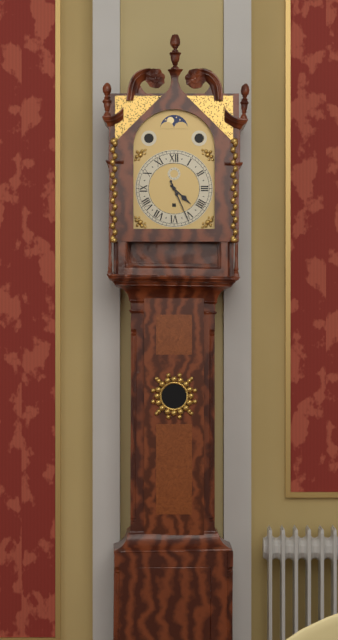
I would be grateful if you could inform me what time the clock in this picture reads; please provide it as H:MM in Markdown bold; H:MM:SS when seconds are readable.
**4:26**
